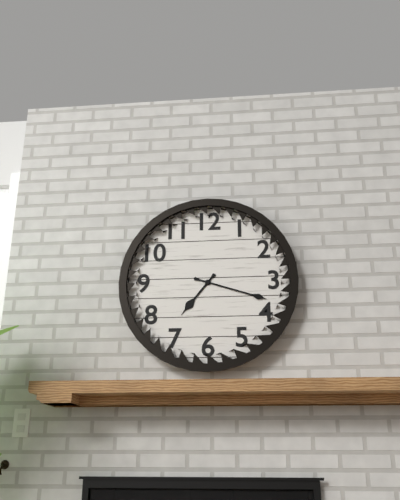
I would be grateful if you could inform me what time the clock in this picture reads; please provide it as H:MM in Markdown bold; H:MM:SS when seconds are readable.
**7:18**
